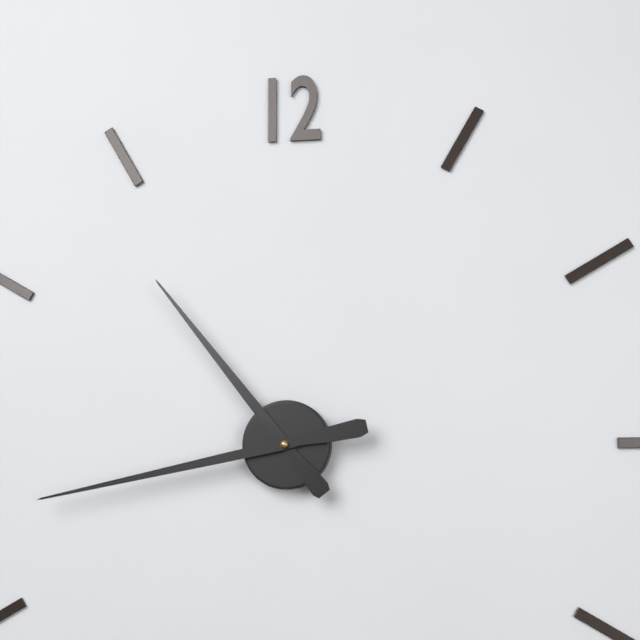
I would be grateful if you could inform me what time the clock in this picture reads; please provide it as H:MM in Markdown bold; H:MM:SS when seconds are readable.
**10:43**
